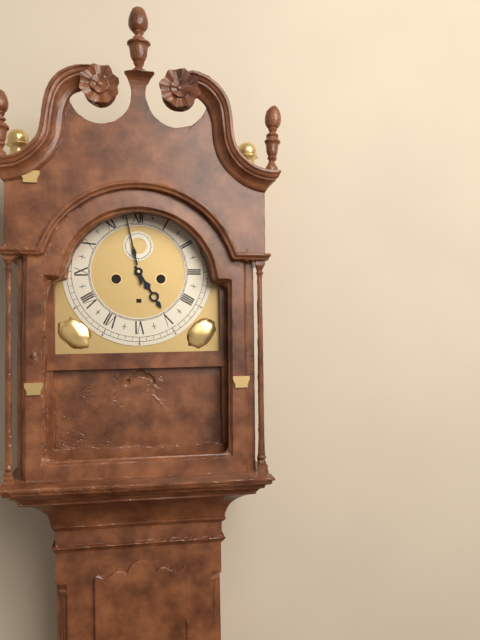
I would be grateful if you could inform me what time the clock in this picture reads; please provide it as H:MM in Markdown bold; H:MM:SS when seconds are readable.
**4:58**
